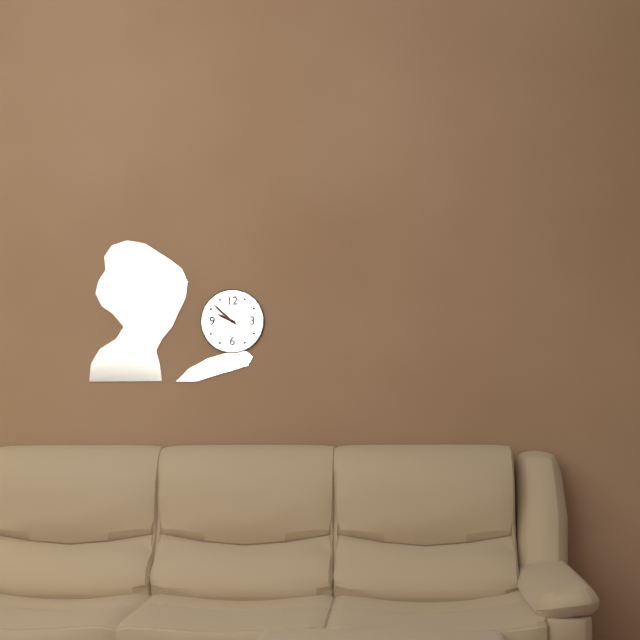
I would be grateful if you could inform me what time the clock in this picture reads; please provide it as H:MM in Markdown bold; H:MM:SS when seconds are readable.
**9:52**
